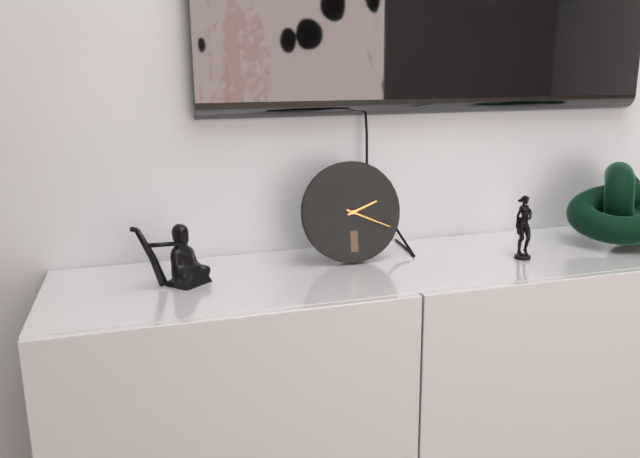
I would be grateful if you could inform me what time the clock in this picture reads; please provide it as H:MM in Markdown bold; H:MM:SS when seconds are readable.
**2:19**
